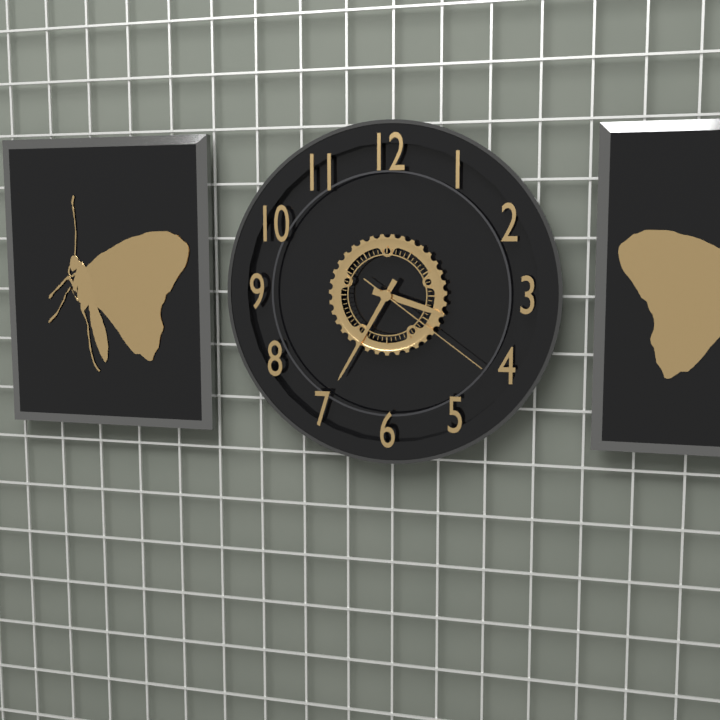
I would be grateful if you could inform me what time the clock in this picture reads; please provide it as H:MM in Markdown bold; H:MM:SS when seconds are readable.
**3:35:21**
